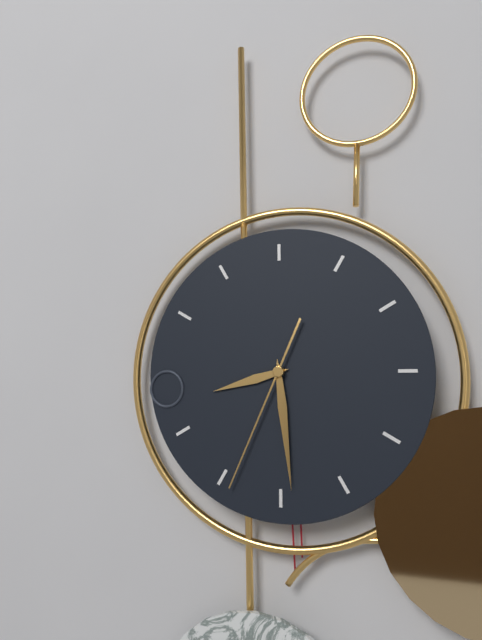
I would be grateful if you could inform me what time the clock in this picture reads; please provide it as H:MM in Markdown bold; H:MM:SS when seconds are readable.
**8:29:34**
